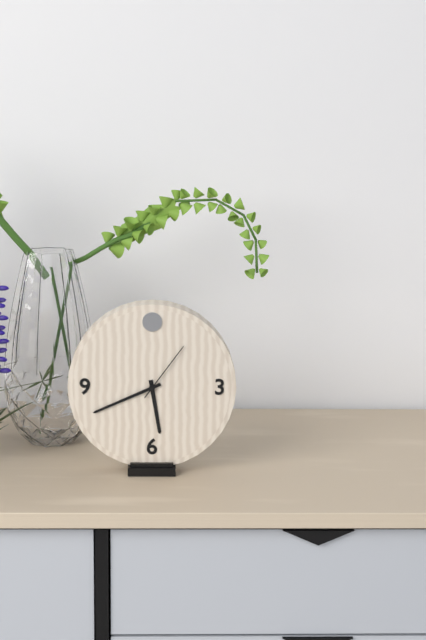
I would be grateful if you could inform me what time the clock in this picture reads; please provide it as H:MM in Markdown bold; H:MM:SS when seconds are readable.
**5:41:06**
